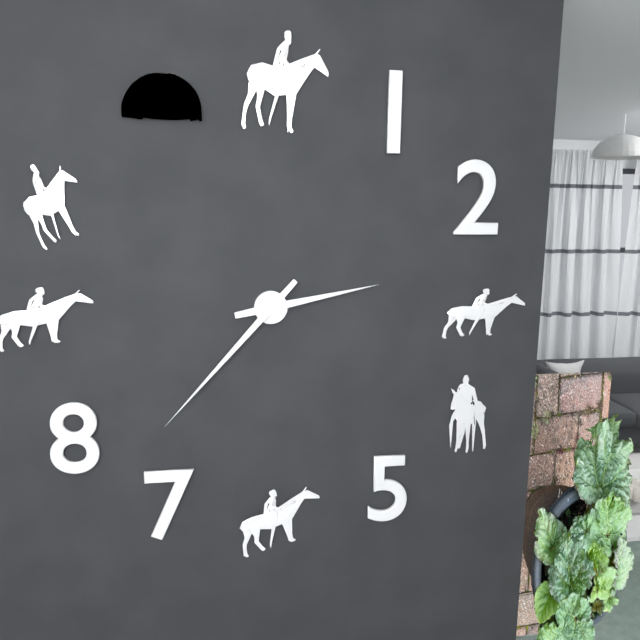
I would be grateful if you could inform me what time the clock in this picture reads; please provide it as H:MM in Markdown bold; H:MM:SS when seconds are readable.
**2:37**
